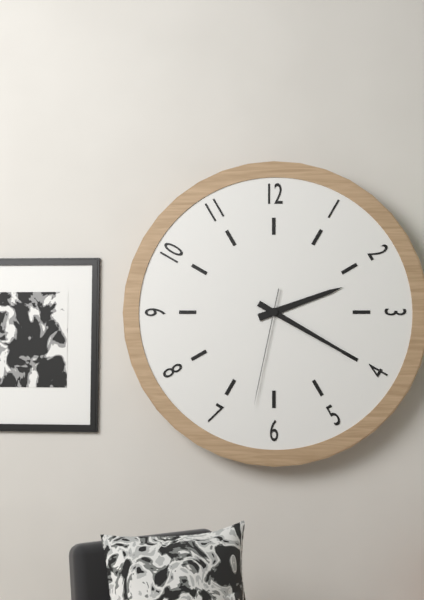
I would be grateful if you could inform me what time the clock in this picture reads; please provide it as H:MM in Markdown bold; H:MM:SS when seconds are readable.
**2:20:32**
